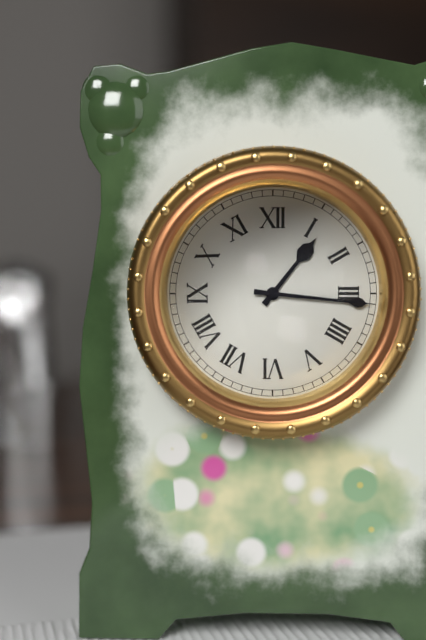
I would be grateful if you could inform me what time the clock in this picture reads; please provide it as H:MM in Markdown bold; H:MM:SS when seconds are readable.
**1:16**
